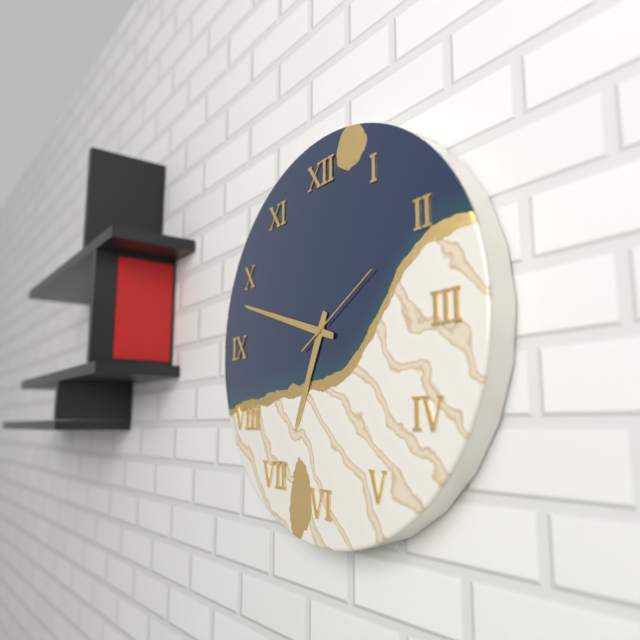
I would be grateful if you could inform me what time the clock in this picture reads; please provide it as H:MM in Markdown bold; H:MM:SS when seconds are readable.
**6:48:10**
